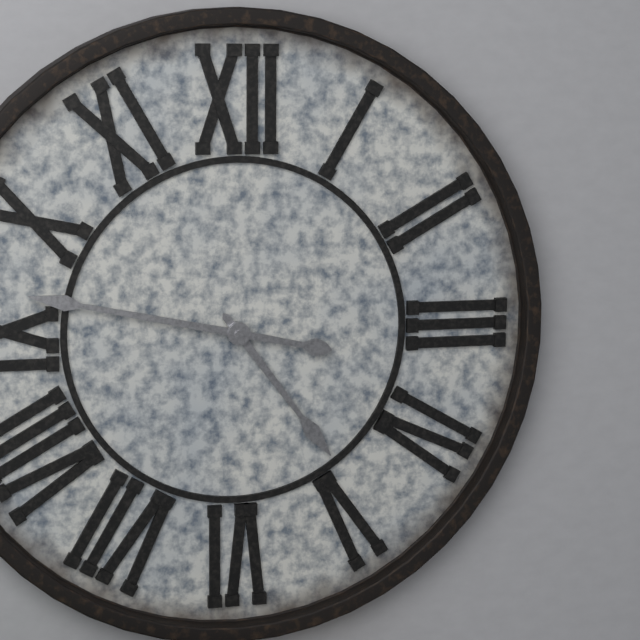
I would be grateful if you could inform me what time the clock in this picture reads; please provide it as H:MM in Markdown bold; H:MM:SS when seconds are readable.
**4:47**
